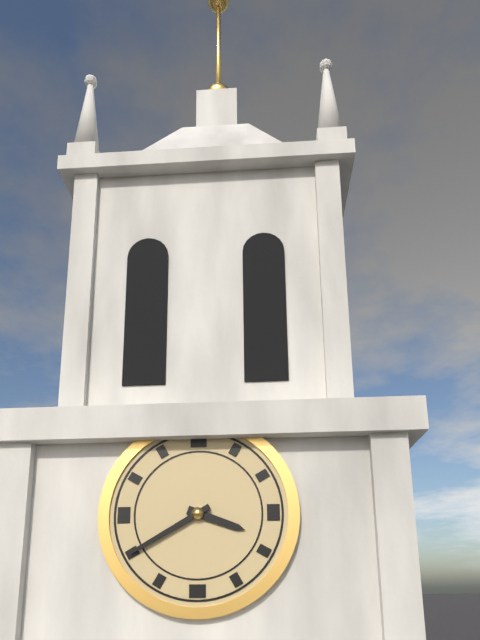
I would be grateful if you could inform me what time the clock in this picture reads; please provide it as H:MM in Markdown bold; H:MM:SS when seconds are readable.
**3:40**
